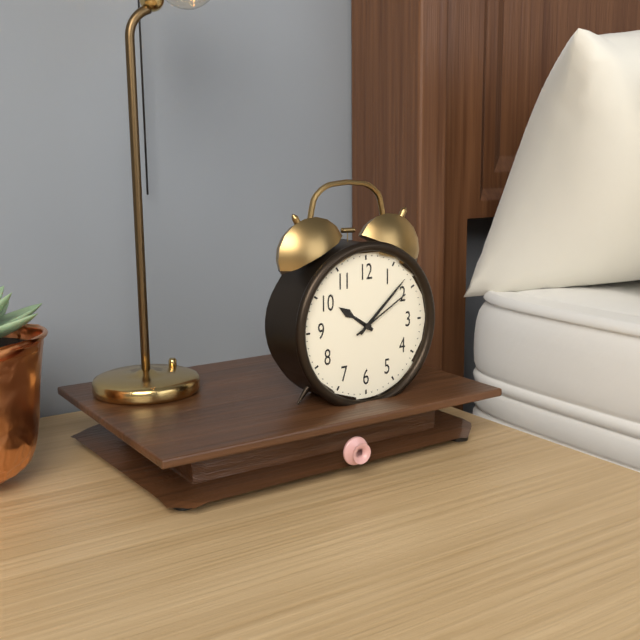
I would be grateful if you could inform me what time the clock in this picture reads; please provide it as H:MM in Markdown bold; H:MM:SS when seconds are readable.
**10:08:10**
